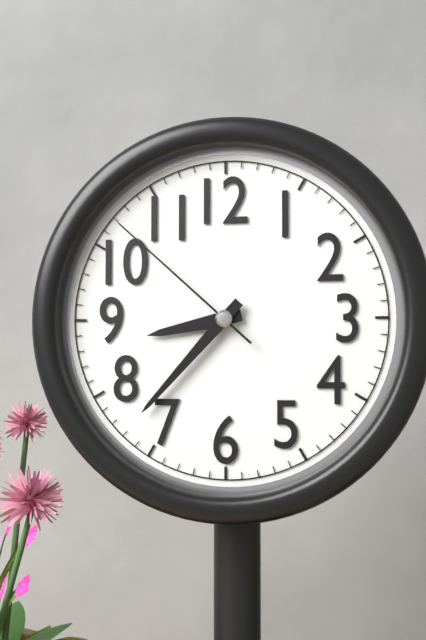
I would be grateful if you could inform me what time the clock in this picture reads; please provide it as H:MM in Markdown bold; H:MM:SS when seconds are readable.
**8:37:52**
